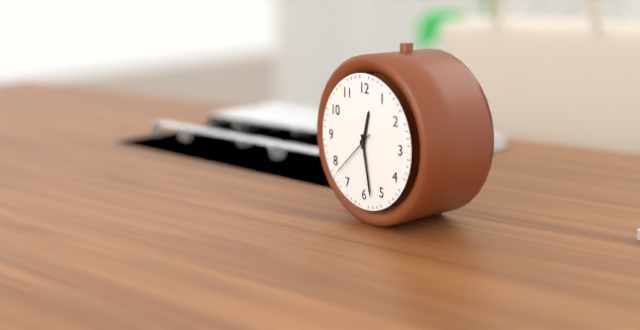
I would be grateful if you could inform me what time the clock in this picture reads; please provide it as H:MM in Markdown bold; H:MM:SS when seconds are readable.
**12:28:38**
